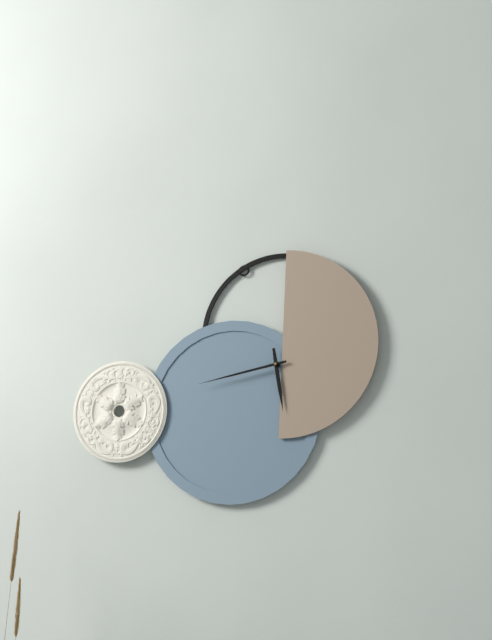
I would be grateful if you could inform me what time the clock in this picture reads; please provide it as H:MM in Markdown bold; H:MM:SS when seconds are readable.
**5:43**
